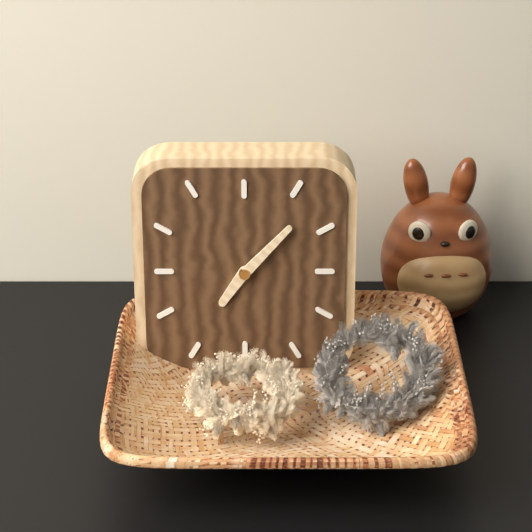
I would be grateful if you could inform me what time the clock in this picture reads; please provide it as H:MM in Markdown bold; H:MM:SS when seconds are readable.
**7:07**
